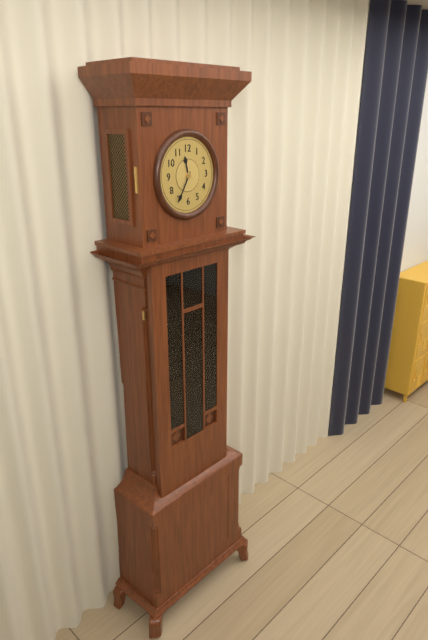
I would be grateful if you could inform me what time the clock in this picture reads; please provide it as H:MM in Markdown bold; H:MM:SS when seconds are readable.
**11:35**
